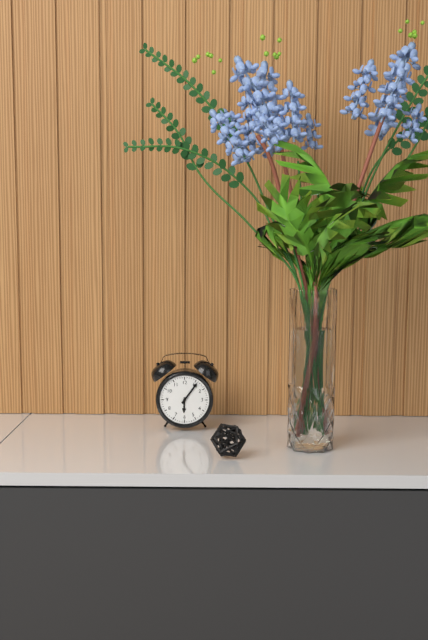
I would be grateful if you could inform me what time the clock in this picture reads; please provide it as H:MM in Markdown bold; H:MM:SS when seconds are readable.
**6:06**
